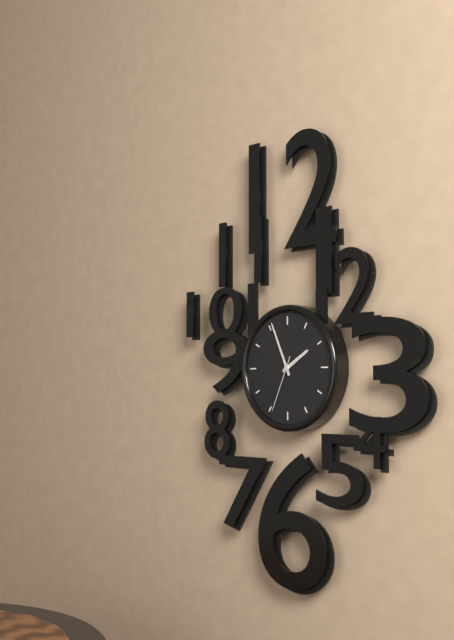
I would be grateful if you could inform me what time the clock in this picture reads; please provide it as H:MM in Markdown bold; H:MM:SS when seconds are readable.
**1:56:34**
